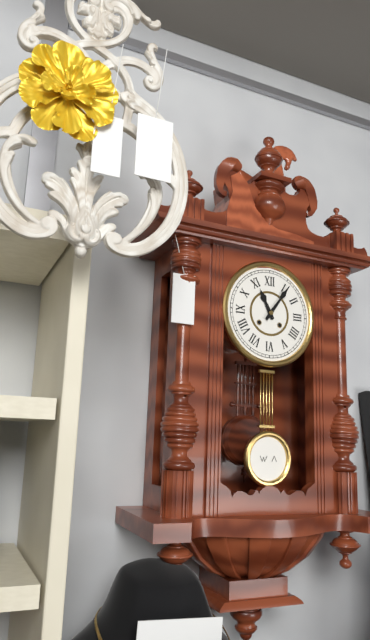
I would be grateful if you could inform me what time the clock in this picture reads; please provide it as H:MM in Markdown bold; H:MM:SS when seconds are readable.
**11:06**
